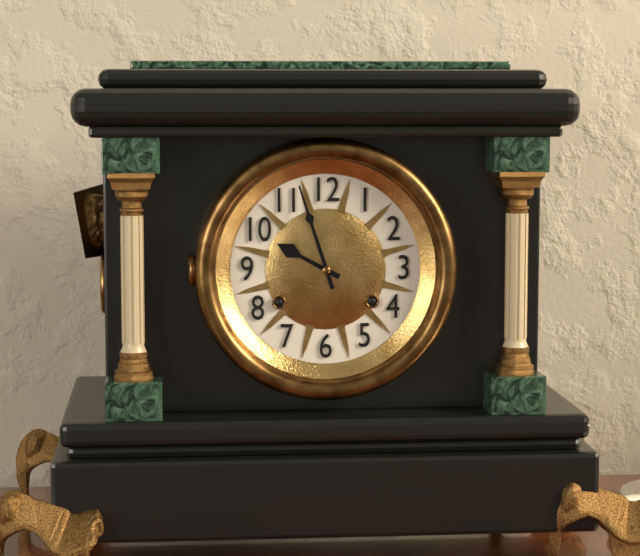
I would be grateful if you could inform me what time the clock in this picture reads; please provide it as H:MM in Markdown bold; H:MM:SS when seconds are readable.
**9:57**
